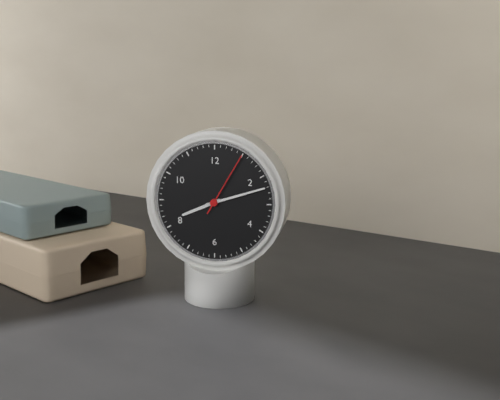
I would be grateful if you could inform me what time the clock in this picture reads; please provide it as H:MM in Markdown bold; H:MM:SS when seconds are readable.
**8:12:05**
